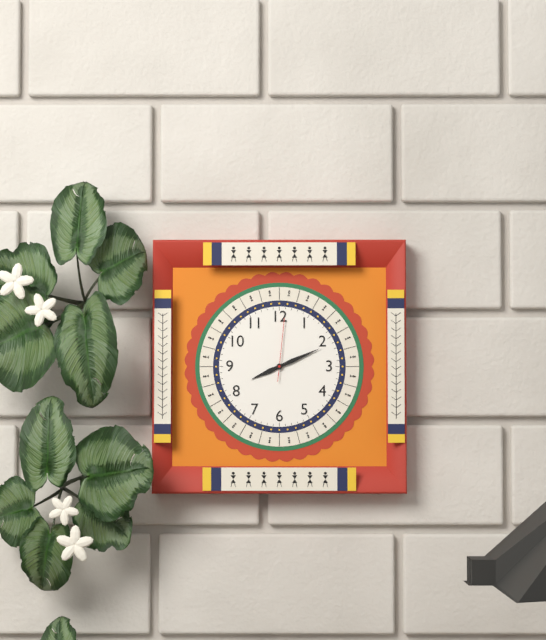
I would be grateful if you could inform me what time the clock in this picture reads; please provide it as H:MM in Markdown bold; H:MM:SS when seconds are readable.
**8:11:01**
